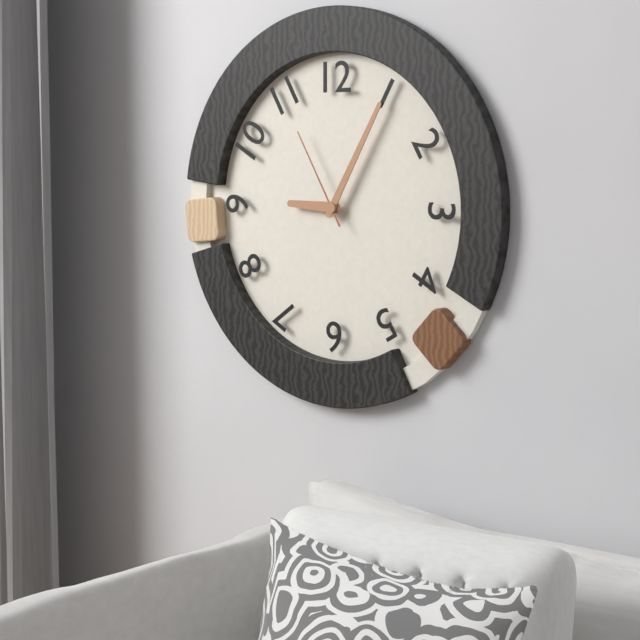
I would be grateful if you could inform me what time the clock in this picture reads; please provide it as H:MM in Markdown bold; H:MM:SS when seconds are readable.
**9:05:55**
